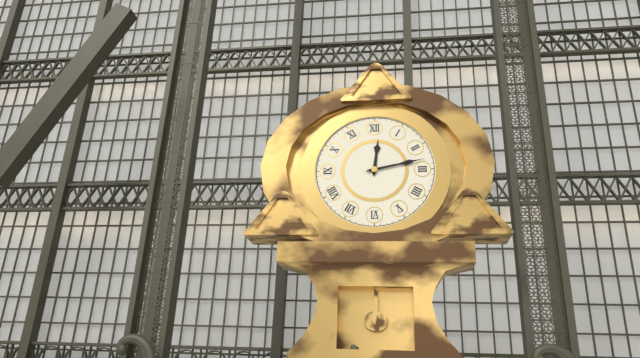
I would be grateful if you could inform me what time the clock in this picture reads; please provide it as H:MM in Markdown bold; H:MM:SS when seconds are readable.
**12:13**
